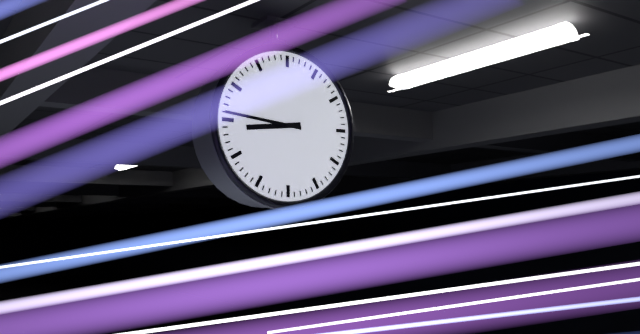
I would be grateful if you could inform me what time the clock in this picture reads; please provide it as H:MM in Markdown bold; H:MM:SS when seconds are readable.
**8:46**
